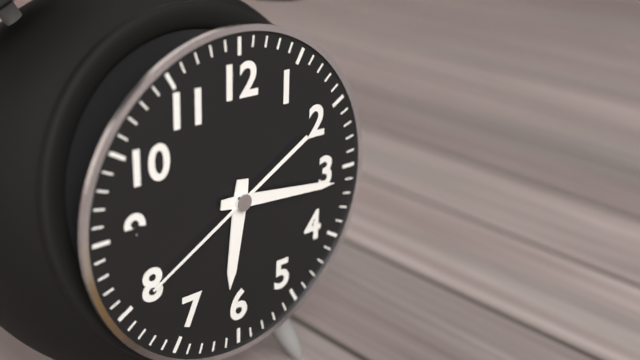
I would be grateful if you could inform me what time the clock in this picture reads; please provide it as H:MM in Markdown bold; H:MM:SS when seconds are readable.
**6:16:40**
